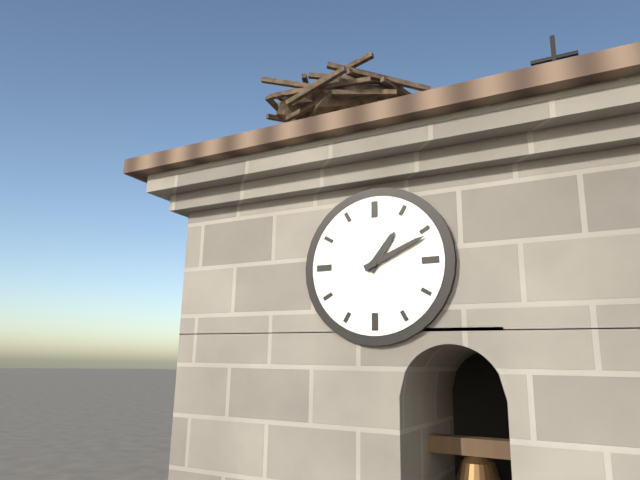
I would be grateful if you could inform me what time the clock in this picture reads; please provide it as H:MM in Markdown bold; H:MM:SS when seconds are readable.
**1:11**
